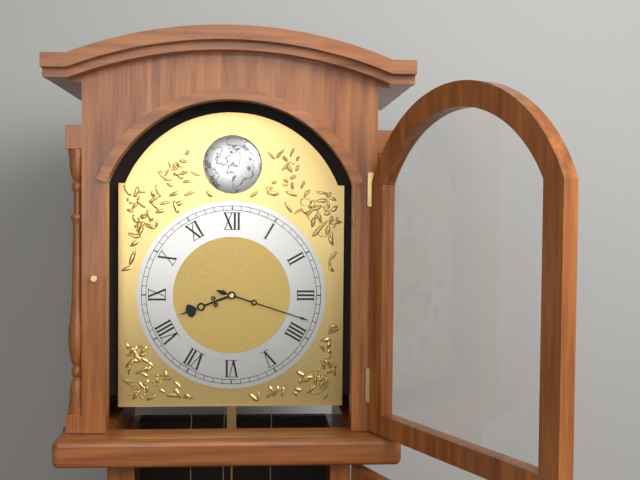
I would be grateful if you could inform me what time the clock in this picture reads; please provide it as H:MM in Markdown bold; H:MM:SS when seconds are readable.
**8:18**
